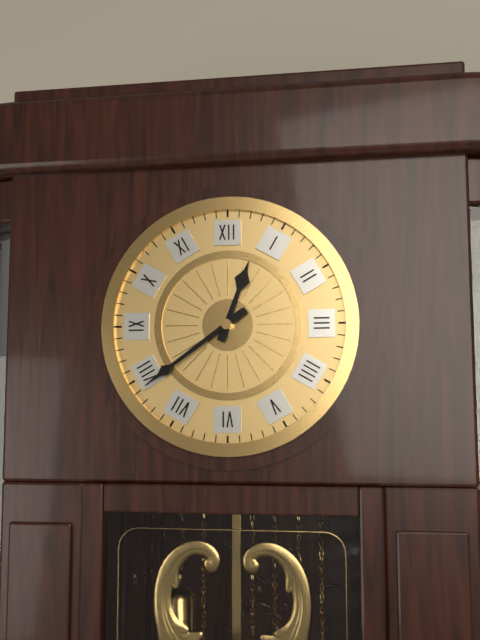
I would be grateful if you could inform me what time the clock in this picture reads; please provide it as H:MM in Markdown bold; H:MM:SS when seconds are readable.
**12:39**
